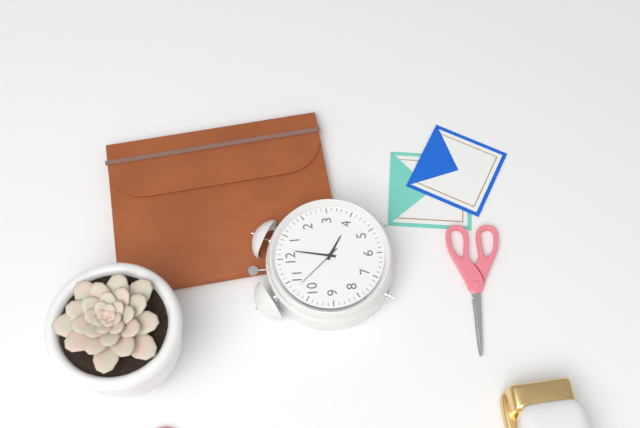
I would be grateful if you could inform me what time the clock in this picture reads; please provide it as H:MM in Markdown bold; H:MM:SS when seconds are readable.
**4:02:53**
